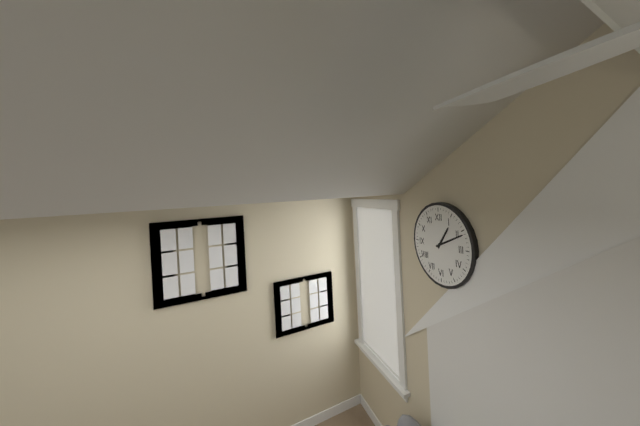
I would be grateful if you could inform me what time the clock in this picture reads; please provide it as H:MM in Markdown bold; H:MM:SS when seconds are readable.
**1:11**
